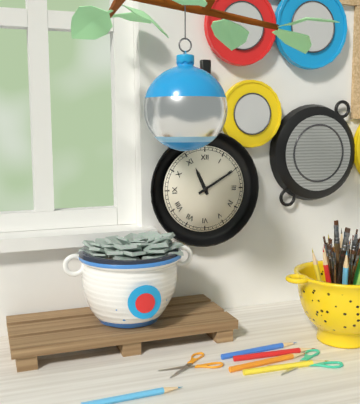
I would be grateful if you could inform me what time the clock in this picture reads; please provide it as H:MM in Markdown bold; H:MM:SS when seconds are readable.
**11:10**
